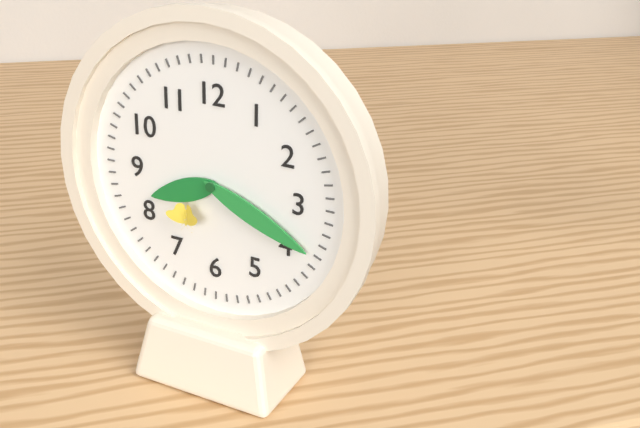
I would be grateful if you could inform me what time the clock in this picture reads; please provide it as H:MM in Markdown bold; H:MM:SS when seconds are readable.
**8:19**
